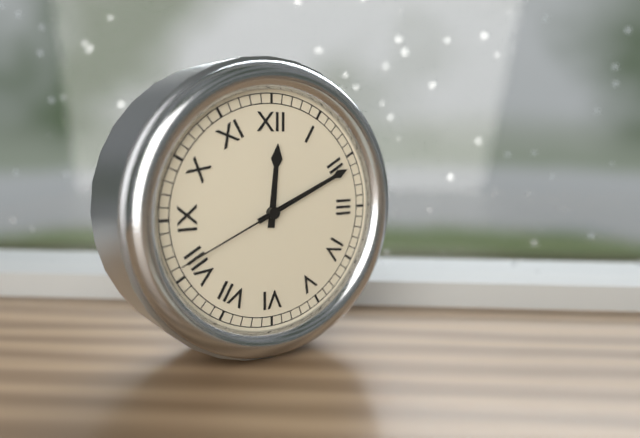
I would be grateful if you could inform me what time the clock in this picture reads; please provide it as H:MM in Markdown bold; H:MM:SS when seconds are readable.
**12:11:41**
